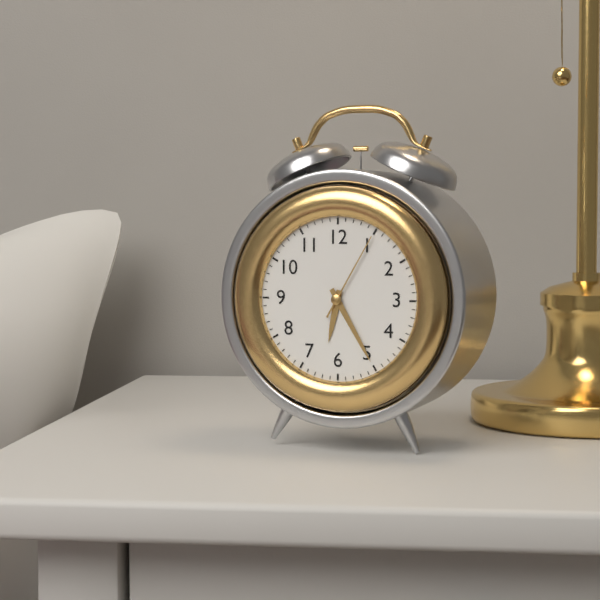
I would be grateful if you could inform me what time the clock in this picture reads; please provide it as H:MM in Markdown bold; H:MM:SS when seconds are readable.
**6:25:05**
